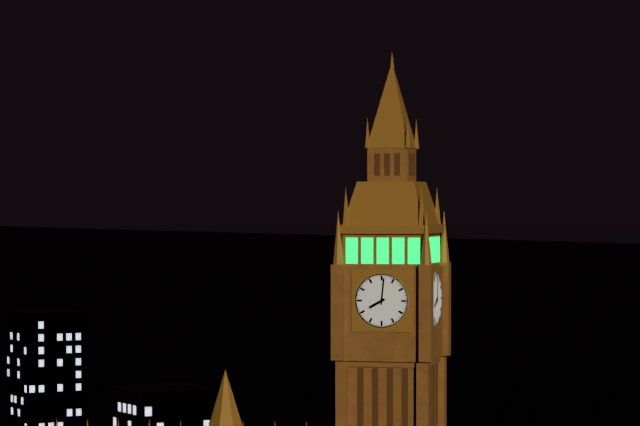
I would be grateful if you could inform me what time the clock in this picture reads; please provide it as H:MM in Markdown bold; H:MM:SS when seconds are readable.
**8:01**
